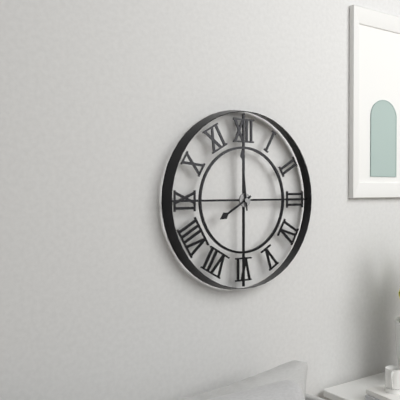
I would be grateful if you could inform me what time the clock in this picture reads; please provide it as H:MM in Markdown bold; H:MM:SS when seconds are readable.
**7:59**
